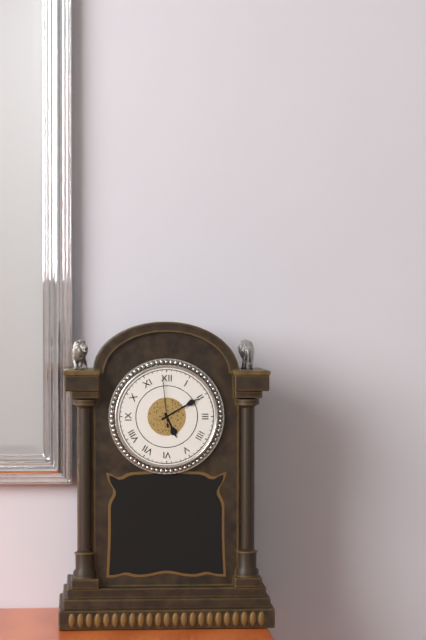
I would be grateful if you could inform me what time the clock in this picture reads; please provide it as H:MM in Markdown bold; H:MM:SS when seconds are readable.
**5:10:59**
